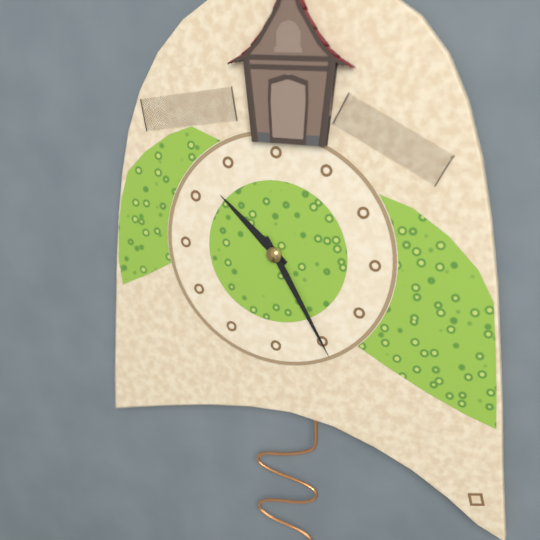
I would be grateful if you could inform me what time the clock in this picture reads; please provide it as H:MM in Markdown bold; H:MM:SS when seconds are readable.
**10:25**
